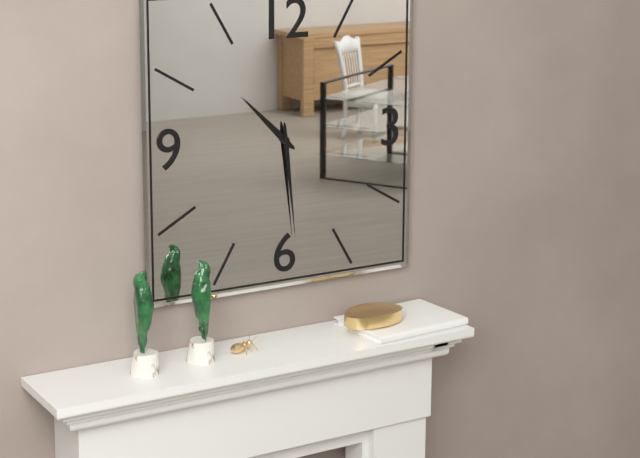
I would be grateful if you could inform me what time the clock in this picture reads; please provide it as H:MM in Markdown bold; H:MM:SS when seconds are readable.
**10:29**
